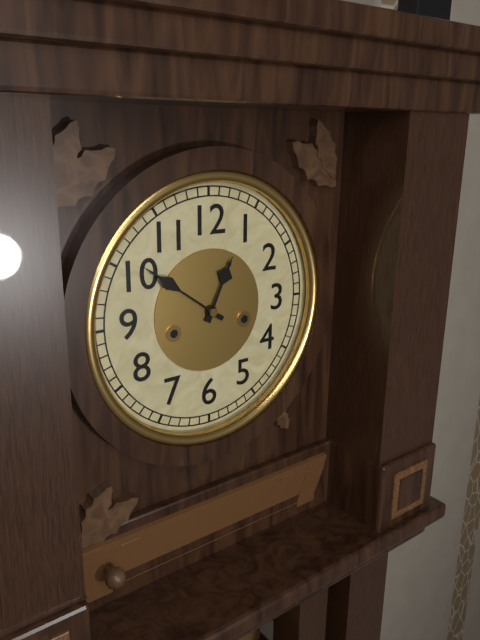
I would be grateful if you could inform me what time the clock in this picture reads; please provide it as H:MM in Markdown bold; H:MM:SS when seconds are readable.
**12:51**
